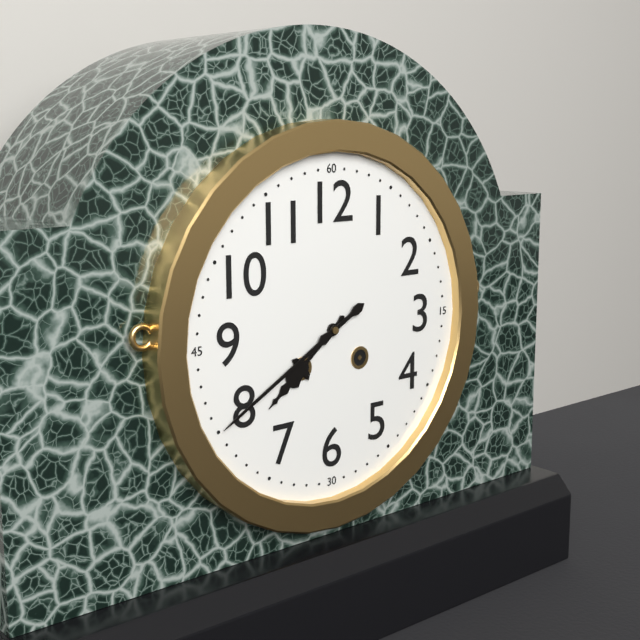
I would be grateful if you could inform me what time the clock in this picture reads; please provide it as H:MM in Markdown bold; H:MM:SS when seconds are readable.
**7:40**
